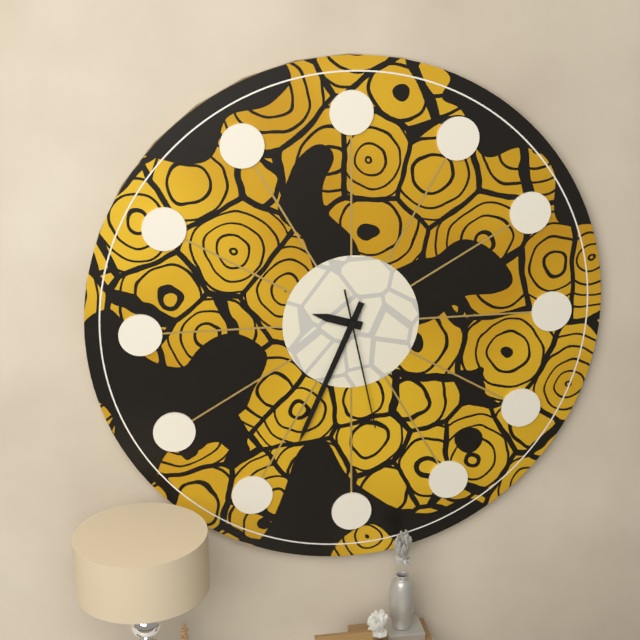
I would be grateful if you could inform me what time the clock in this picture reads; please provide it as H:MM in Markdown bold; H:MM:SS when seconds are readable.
**9:34:28**
